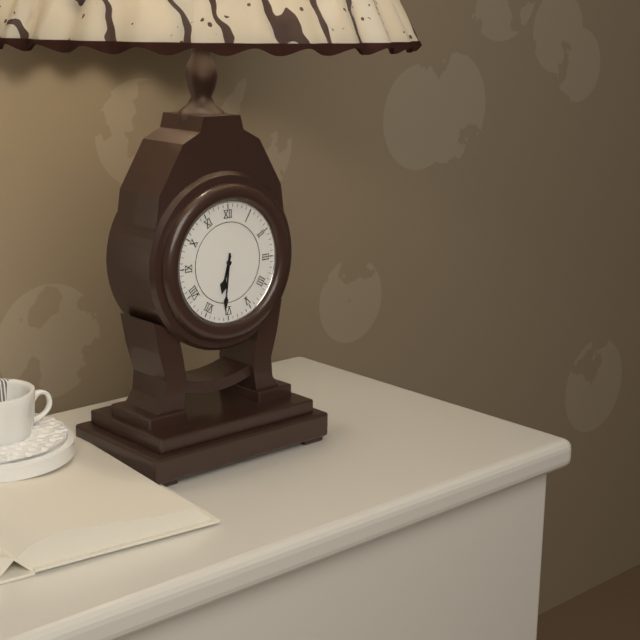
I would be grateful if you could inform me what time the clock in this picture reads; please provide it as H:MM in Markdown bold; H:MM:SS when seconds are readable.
**6:31**
